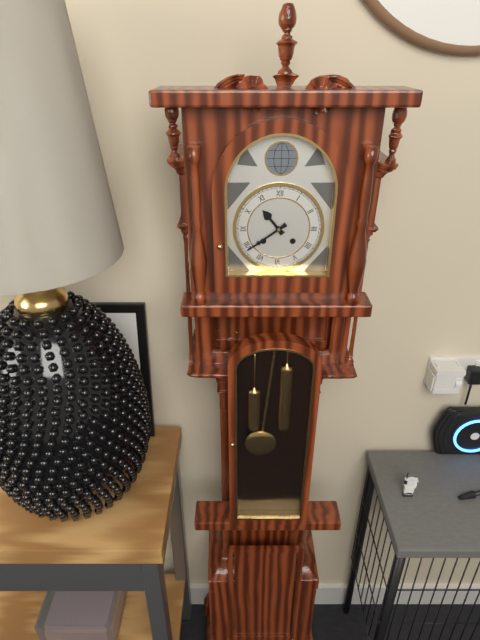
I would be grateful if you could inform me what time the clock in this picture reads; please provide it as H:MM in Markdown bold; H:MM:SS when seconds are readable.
**10:39**
